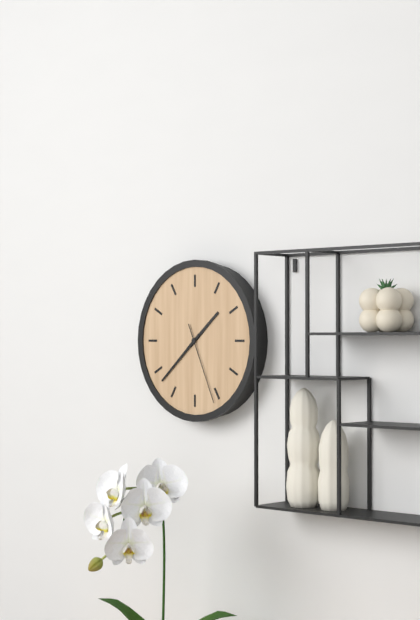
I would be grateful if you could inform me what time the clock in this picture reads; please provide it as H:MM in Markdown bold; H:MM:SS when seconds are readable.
**1:38:26**
